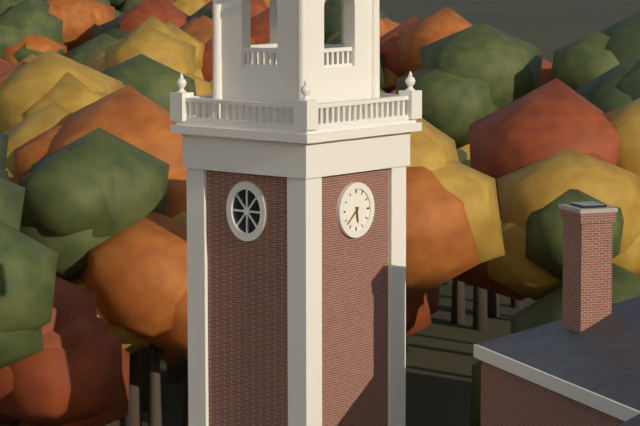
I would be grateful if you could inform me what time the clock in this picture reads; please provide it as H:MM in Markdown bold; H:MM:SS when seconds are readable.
**5:38**
